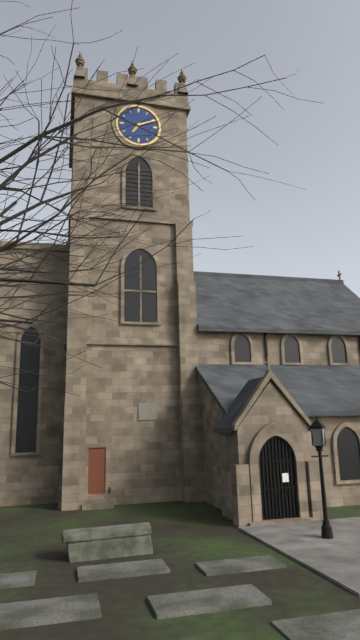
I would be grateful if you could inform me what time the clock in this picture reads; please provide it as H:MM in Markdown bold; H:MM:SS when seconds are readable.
**7:11**
